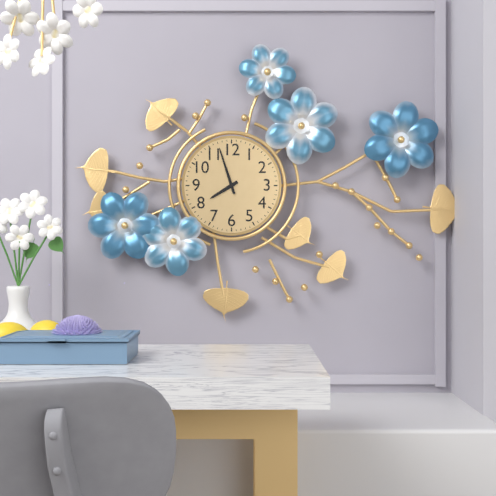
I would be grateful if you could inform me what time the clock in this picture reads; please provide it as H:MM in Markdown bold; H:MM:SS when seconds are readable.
**7:57**
